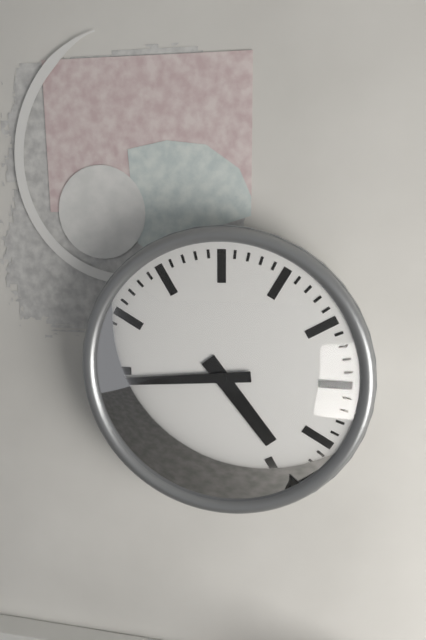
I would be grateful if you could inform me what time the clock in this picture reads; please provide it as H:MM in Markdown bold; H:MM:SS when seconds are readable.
**4:44**
